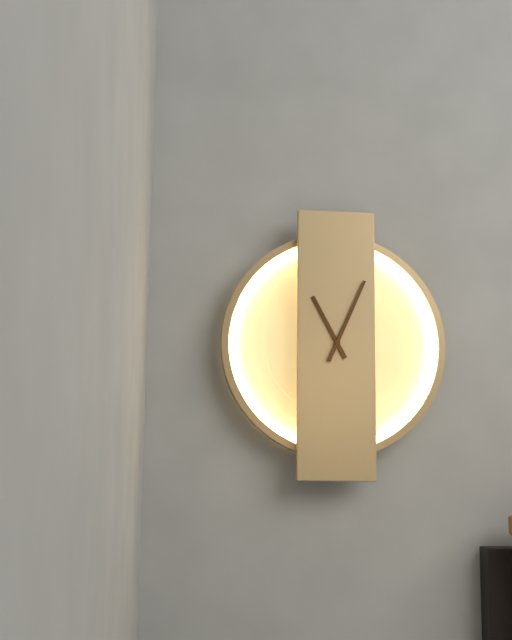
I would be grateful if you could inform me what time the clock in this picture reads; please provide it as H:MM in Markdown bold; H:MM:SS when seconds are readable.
**11:04**
